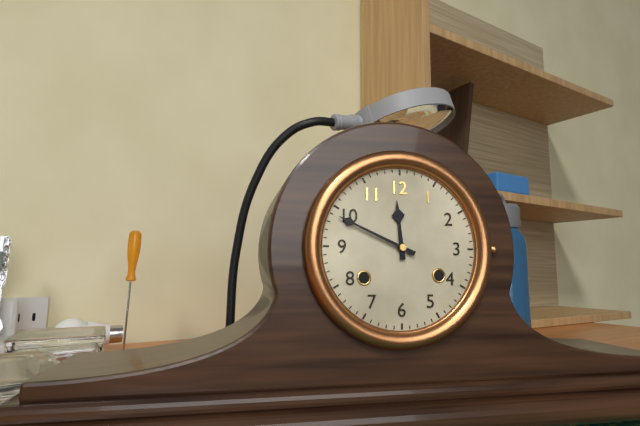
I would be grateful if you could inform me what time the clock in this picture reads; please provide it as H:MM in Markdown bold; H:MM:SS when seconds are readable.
**11:49**
